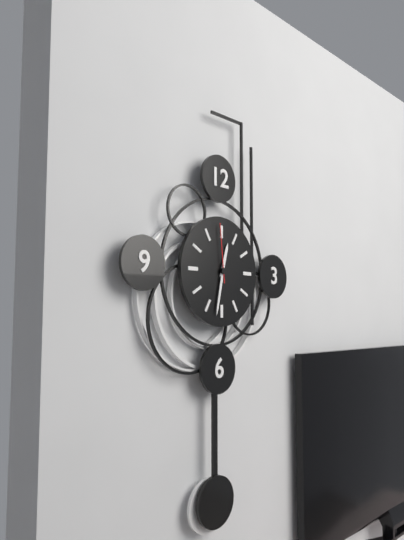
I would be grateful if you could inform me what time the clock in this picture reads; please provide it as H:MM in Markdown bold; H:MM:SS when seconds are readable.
**12:32:59**
